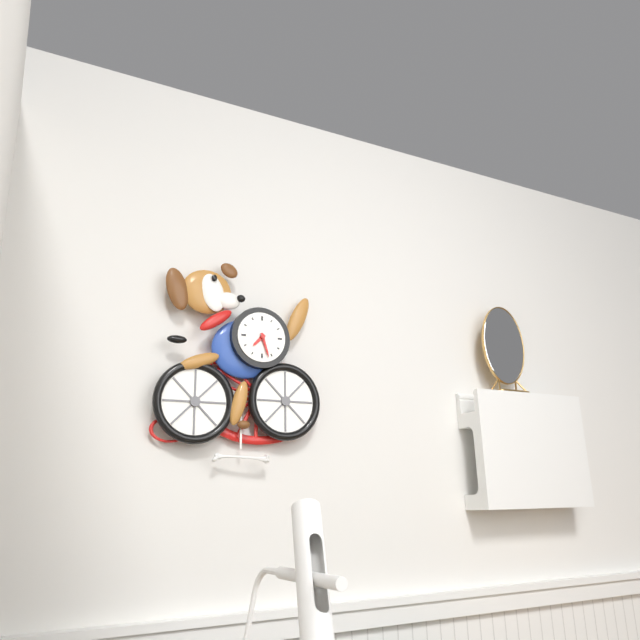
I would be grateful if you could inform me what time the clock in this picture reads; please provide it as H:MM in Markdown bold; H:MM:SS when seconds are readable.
**7:27**
